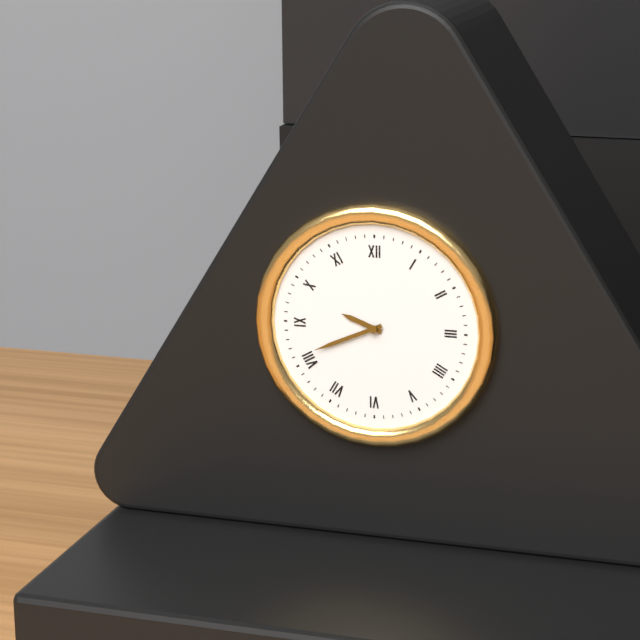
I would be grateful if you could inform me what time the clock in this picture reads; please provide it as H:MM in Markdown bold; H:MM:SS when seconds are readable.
**9:41**
